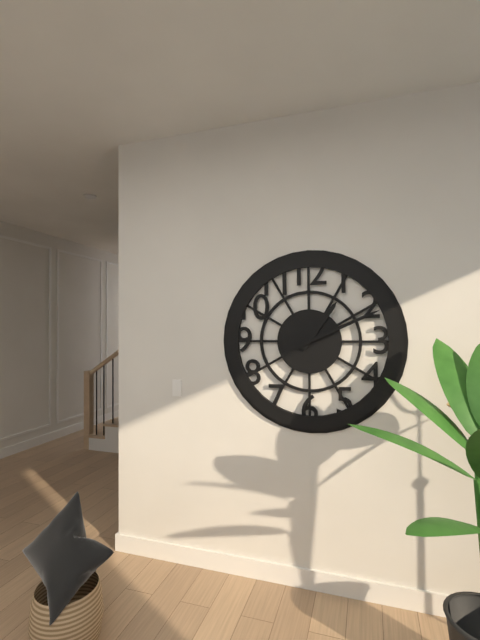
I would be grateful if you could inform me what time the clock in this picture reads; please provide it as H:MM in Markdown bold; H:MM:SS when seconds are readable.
**1:11**
